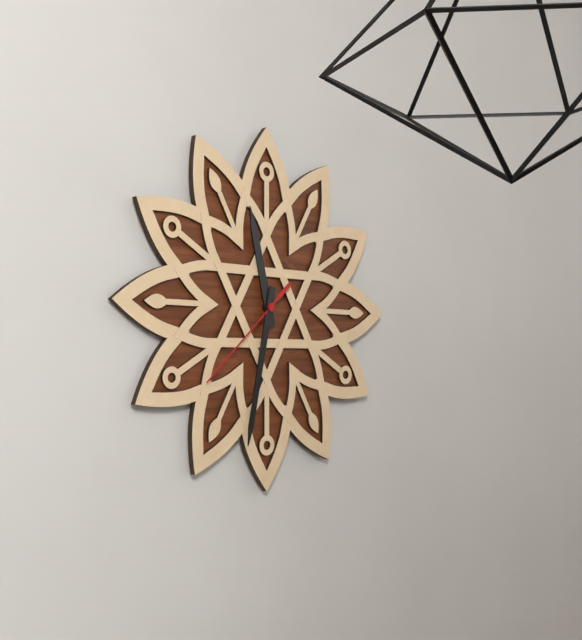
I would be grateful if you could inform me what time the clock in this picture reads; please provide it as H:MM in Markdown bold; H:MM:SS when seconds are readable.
**11:32:38**
